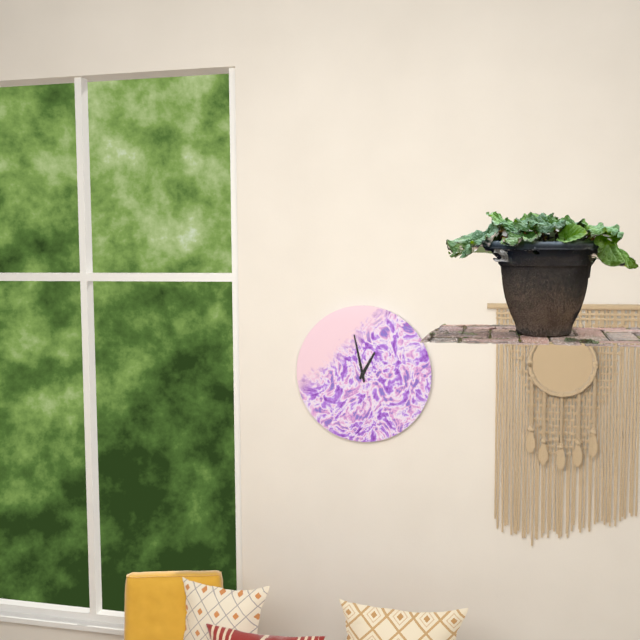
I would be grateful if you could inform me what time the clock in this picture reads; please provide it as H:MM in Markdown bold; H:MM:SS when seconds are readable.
**12:58**
